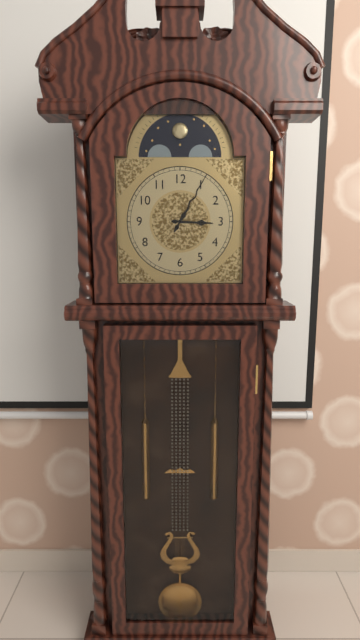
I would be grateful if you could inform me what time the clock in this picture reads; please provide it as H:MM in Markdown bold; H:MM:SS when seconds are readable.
**3:05**
